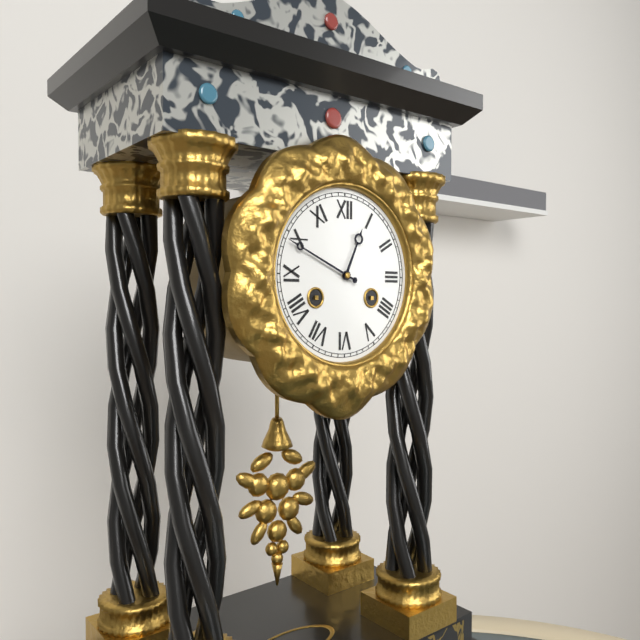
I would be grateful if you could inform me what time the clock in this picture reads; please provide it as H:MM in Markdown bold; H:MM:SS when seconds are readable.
**12:49**
